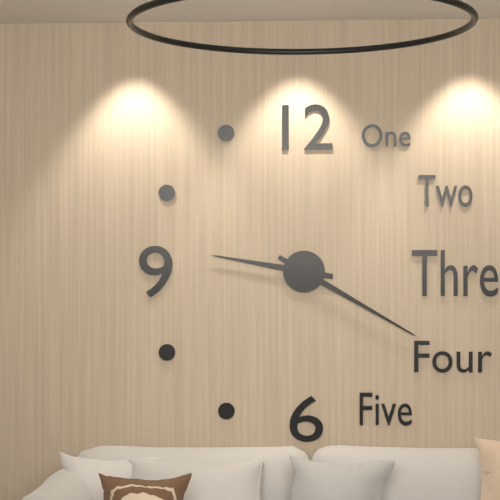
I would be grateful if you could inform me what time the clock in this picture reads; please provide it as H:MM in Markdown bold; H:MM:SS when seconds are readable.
**9:20**
